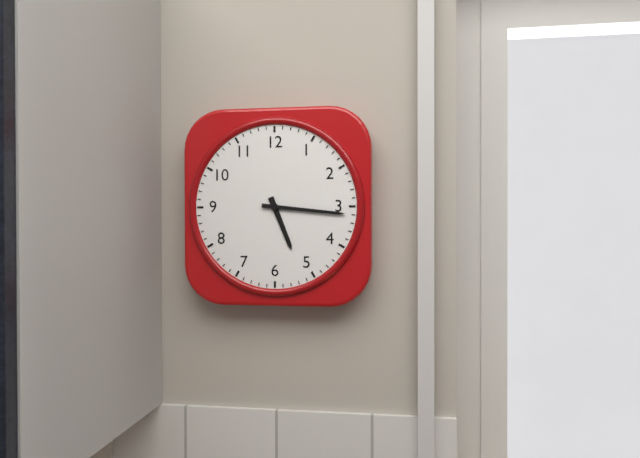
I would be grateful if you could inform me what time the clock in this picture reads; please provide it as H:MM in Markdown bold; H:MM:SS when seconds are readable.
**5:16**
